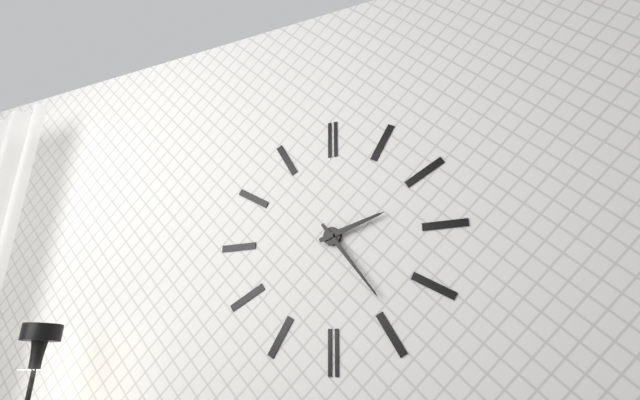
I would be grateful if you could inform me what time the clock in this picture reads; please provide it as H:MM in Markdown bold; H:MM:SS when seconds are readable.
**2:24**
